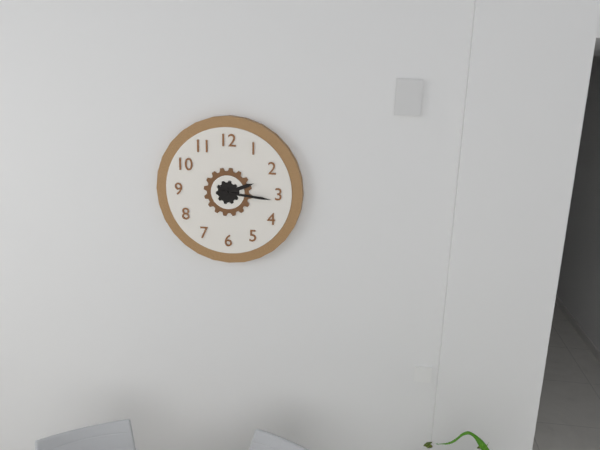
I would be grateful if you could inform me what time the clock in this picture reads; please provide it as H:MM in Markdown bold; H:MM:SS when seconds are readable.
**2:16**
